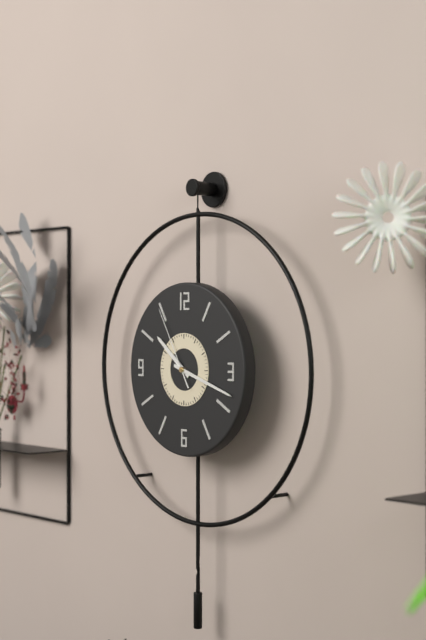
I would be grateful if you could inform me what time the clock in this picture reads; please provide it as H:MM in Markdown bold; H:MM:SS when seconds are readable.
**10:18:55**
